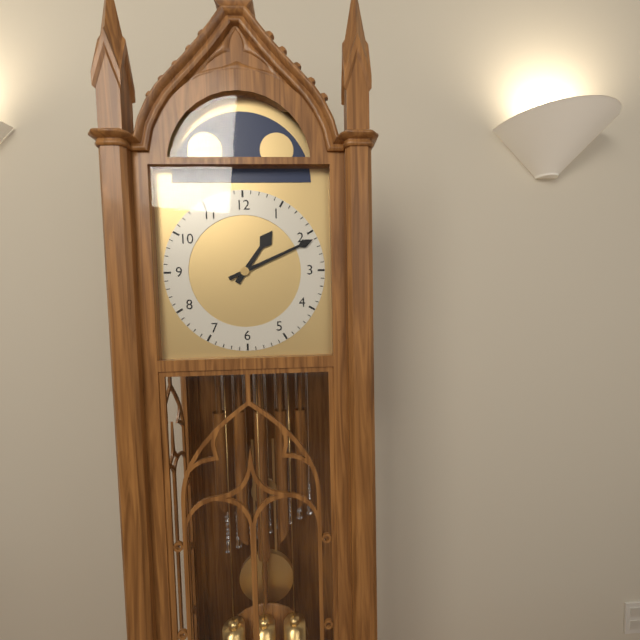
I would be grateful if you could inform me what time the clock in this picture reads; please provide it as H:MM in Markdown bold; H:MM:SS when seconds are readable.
**1:11**
